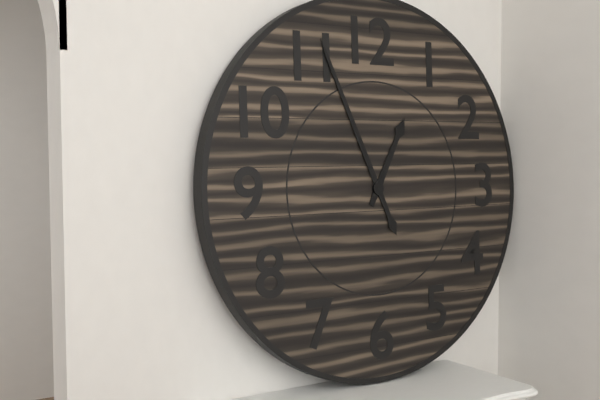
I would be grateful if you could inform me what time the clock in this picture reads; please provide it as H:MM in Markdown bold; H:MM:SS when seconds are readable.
**12:56**
